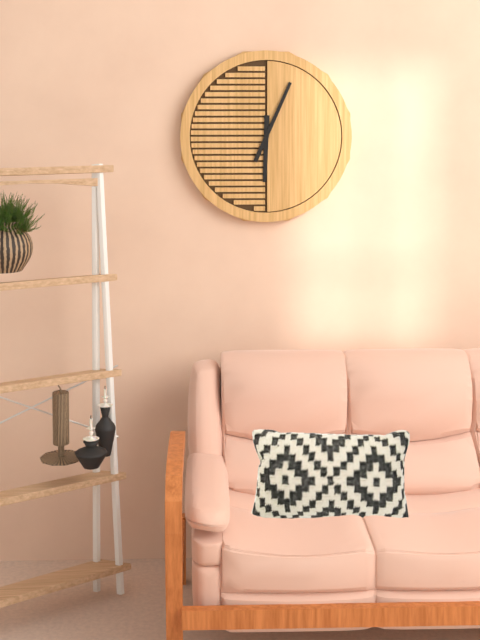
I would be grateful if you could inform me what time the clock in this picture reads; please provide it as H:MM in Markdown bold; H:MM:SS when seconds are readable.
**6:04**
